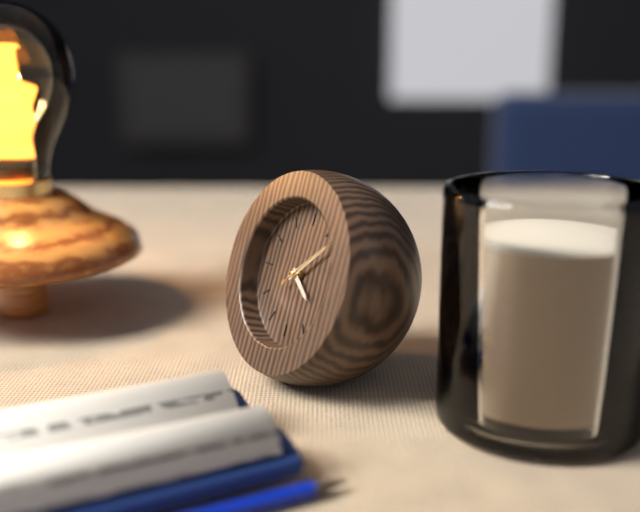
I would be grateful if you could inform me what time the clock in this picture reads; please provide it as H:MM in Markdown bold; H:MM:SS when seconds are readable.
**4:08:08**
